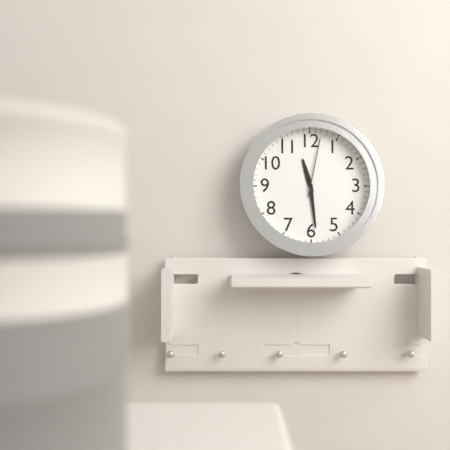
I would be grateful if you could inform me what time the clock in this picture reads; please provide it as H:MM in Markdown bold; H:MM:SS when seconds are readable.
**11:29:02**
